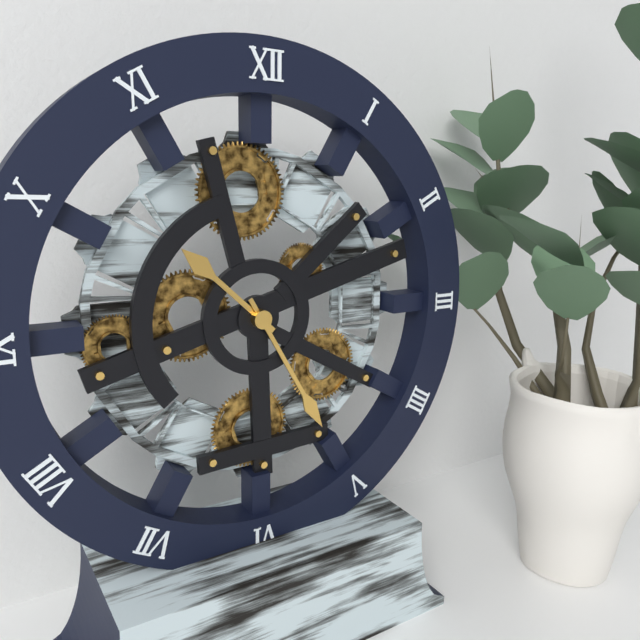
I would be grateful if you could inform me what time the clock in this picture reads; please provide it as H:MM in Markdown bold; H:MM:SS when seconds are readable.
**10:25**
